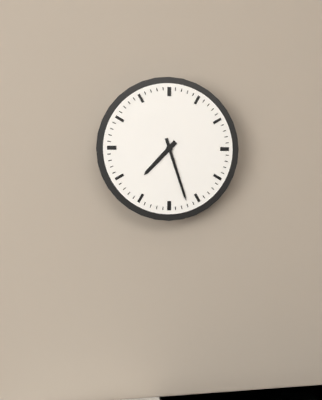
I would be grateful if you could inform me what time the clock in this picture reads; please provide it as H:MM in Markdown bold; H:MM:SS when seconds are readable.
**7:27**
